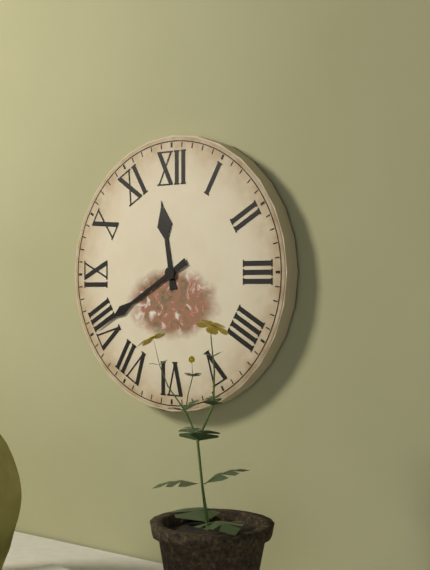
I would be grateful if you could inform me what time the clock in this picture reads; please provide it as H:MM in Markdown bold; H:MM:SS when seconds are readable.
**11:40**
